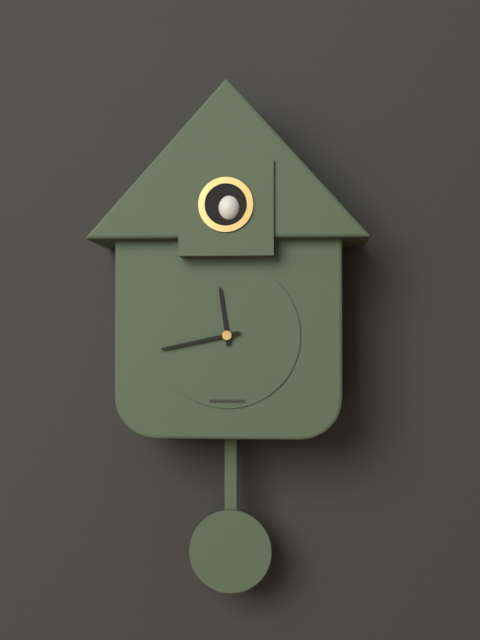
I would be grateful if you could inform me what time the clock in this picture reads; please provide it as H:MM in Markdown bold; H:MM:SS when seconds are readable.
**11:43**
